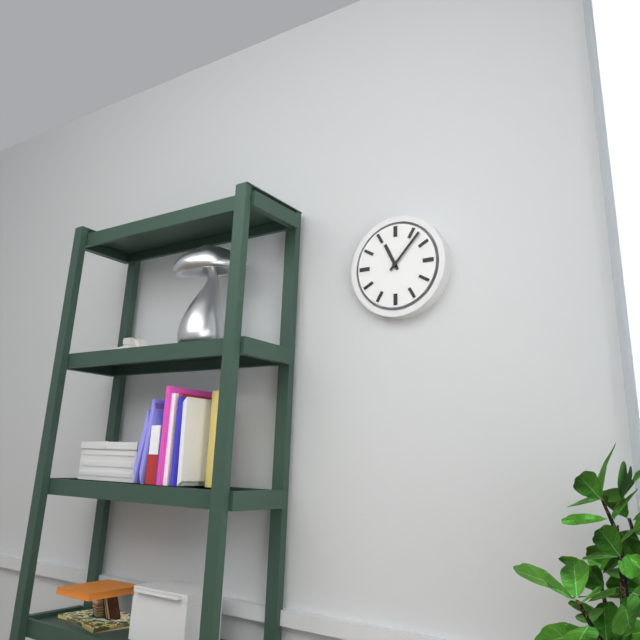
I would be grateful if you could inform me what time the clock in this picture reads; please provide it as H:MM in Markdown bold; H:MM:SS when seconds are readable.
**11:07**
